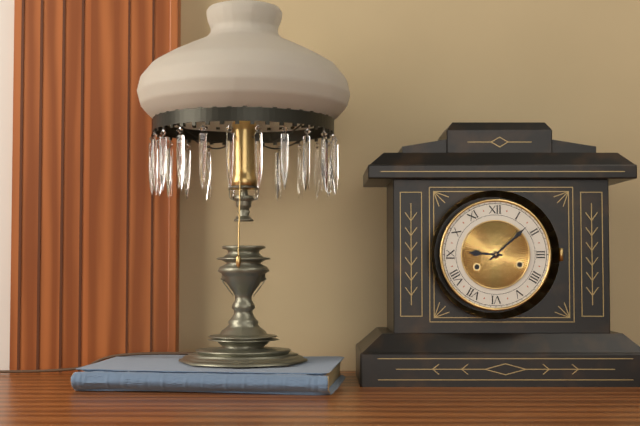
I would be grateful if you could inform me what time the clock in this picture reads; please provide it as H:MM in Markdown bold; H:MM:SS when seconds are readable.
**9:08**
